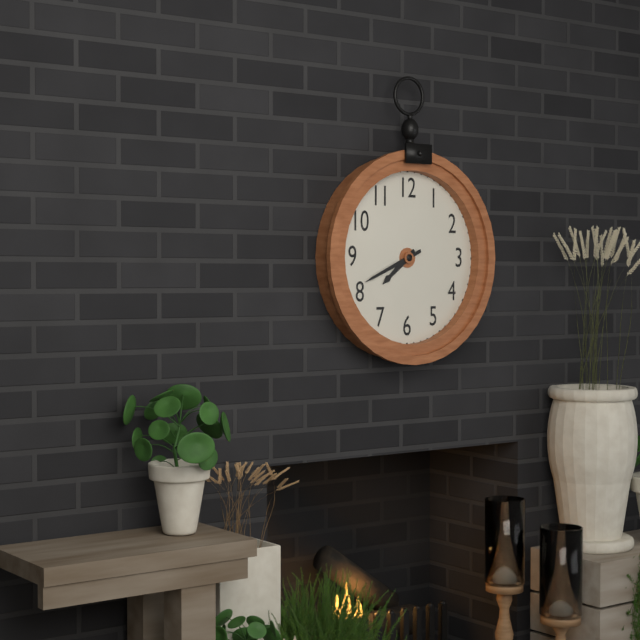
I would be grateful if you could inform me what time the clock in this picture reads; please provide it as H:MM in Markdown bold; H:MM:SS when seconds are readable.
**7:41**
